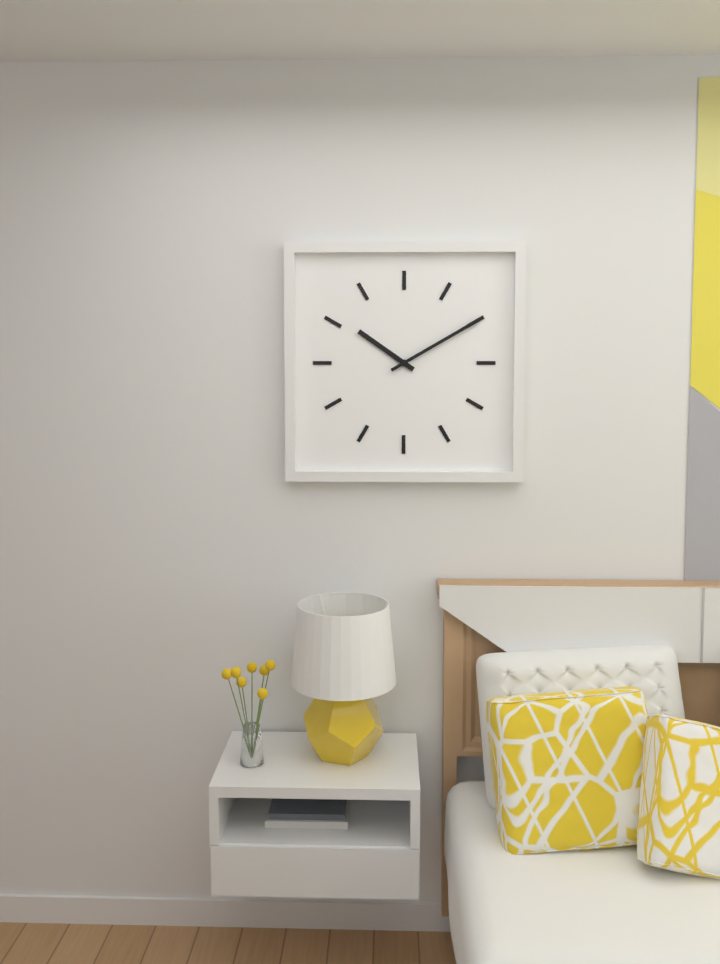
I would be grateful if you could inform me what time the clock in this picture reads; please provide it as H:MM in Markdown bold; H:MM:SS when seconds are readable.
**10:10**
